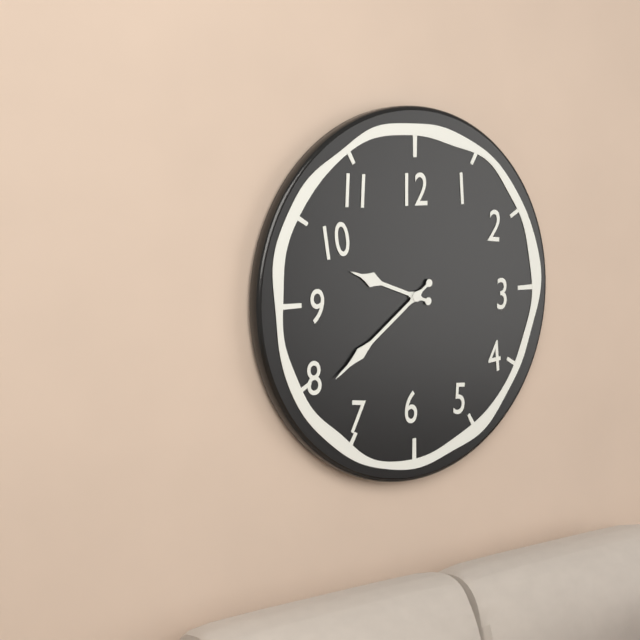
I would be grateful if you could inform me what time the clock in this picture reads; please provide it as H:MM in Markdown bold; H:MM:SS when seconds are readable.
**9:39**
